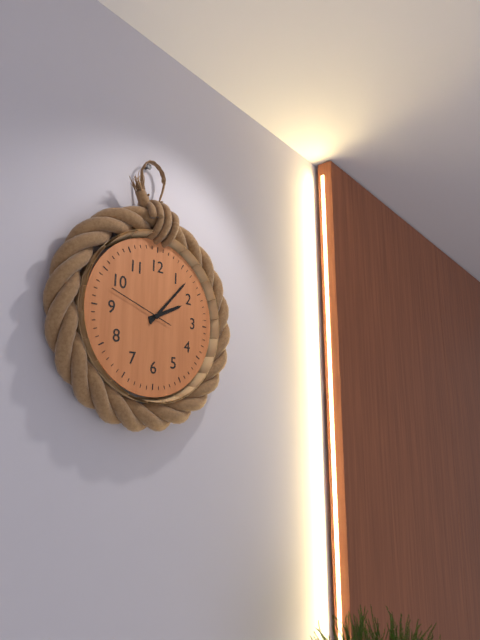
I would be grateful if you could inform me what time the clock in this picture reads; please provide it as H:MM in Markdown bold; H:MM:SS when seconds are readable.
**2:07:48**
